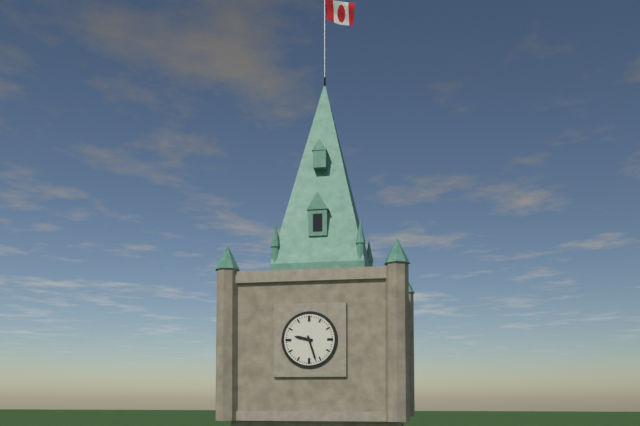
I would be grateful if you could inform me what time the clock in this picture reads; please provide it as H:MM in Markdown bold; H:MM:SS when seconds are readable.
**9:27**
